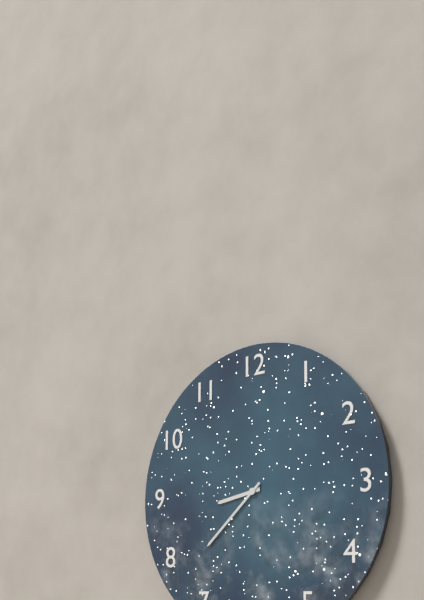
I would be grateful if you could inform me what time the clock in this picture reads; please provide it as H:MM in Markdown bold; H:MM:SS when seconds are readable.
**8:38**
